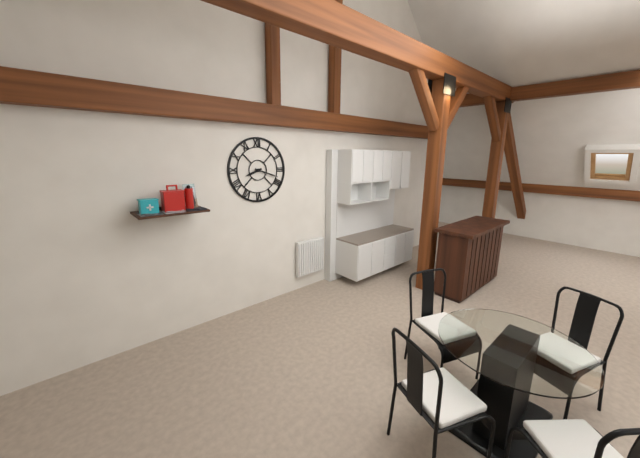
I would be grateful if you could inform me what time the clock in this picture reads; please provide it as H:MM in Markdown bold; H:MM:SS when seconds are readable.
**8:18**
